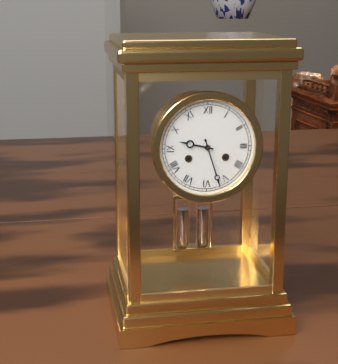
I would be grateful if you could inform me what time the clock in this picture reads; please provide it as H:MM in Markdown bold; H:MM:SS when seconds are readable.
**9:27**
